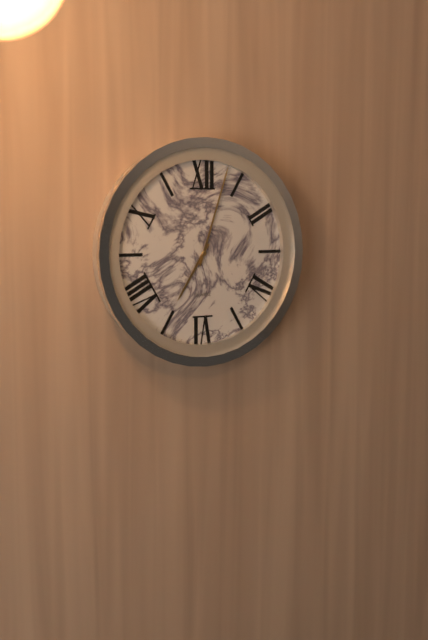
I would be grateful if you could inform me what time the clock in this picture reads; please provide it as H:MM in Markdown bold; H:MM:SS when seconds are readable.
**7:03**
